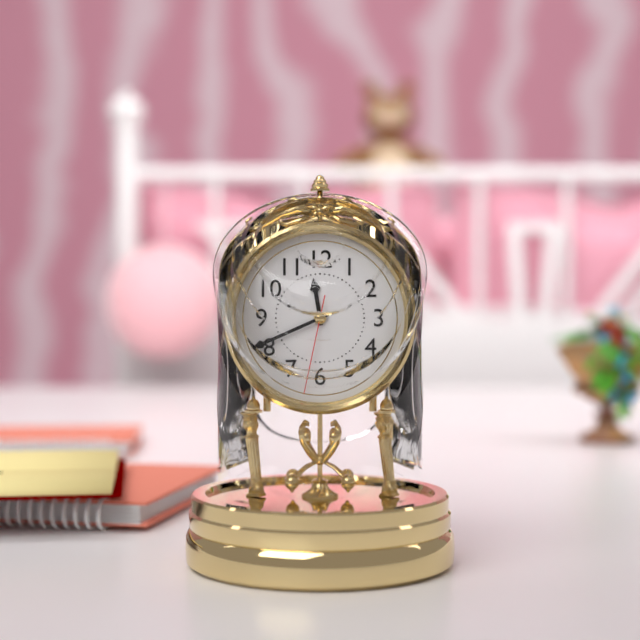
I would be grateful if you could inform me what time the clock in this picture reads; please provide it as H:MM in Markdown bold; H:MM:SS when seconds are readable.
**11:41:32**
